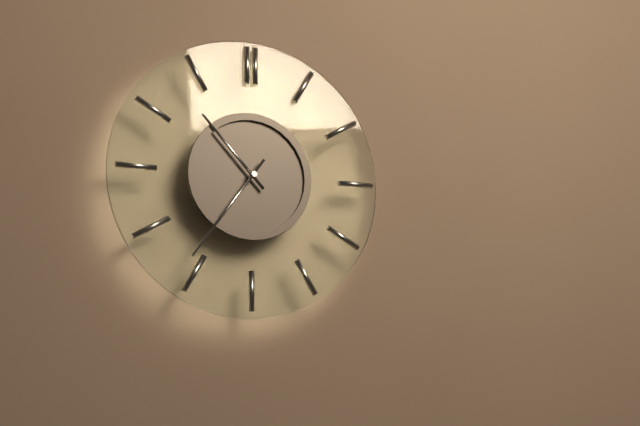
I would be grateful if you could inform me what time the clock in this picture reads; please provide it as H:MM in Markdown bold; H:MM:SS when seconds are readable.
**10:36**
